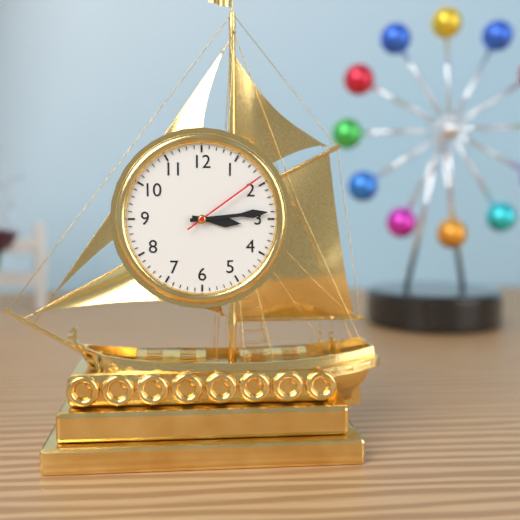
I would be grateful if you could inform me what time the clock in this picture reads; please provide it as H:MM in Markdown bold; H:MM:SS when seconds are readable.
**3:14:09**
